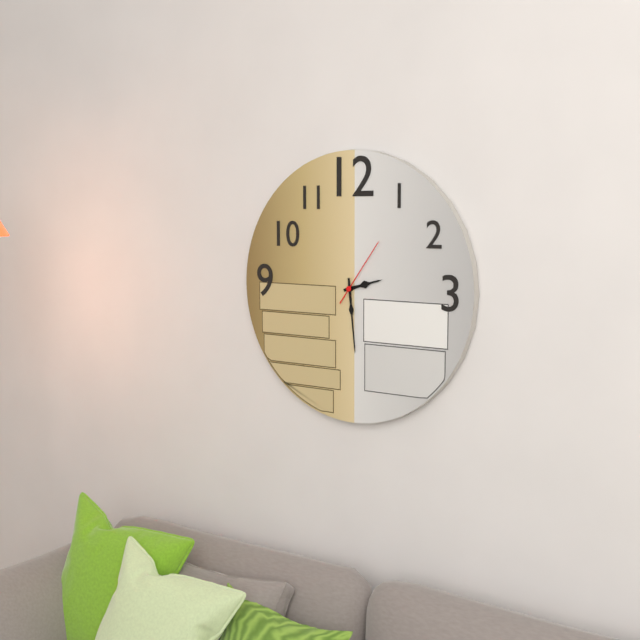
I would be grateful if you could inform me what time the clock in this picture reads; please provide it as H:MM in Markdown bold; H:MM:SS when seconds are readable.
**2:29:06**
